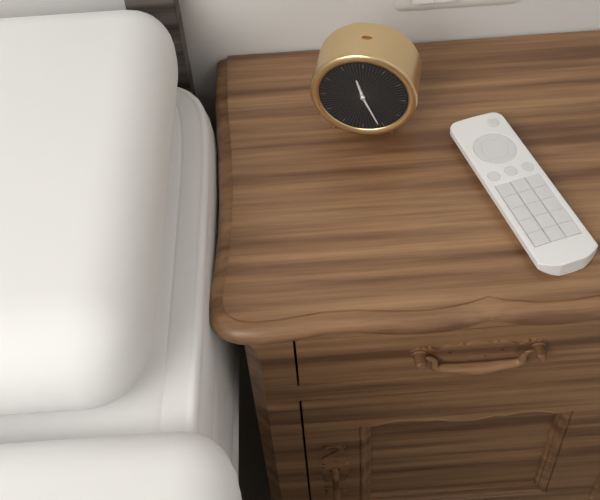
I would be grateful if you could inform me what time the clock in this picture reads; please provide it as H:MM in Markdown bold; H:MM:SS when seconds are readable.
**11:26**
